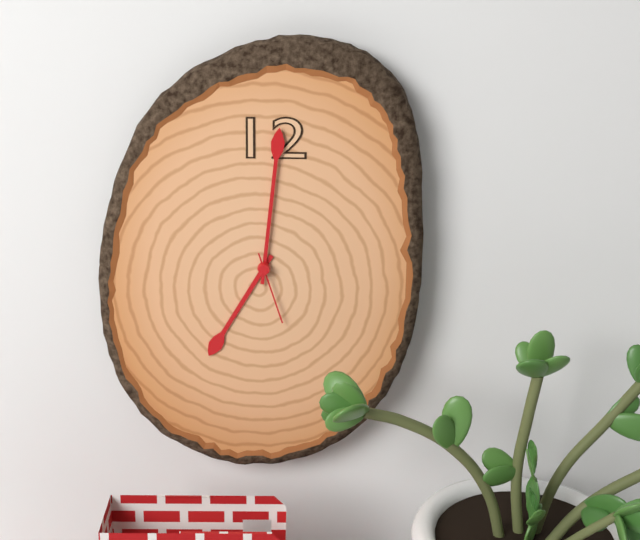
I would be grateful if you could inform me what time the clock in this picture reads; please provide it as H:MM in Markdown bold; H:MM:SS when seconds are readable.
**7:01:27**
